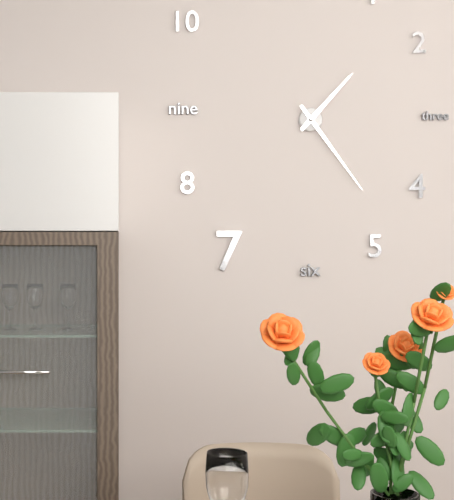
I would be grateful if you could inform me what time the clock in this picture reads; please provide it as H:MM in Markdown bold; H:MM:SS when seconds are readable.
**1:24**
